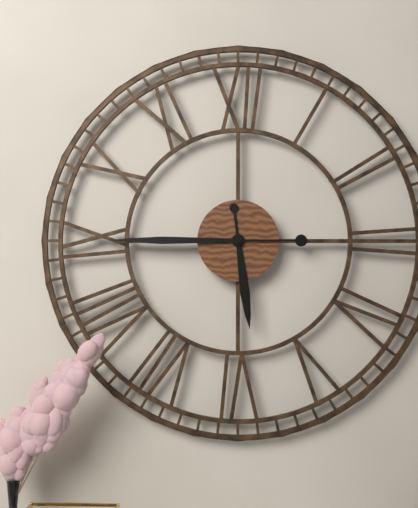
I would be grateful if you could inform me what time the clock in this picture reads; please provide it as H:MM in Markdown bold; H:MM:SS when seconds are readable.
**5:45**
